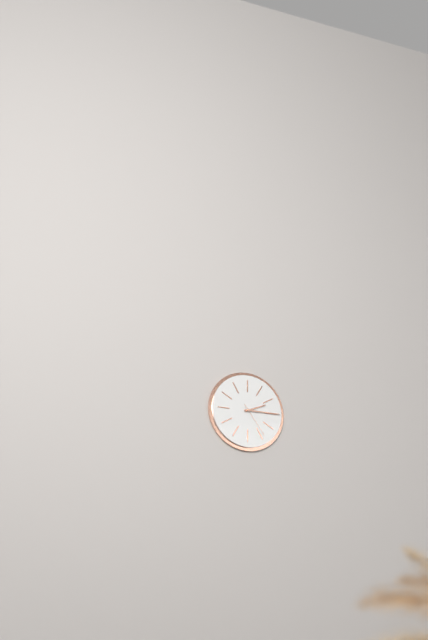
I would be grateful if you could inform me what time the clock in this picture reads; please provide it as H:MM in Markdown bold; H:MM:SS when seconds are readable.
**2:15**
